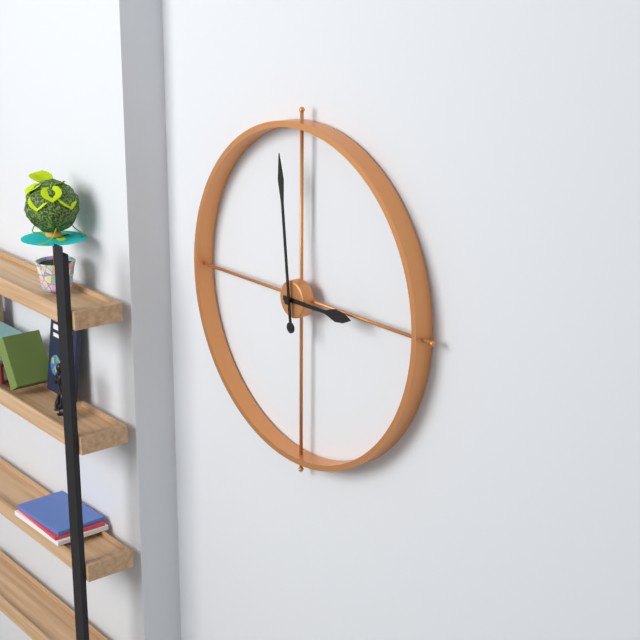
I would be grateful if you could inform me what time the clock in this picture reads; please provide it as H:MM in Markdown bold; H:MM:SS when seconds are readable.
**2:59**
